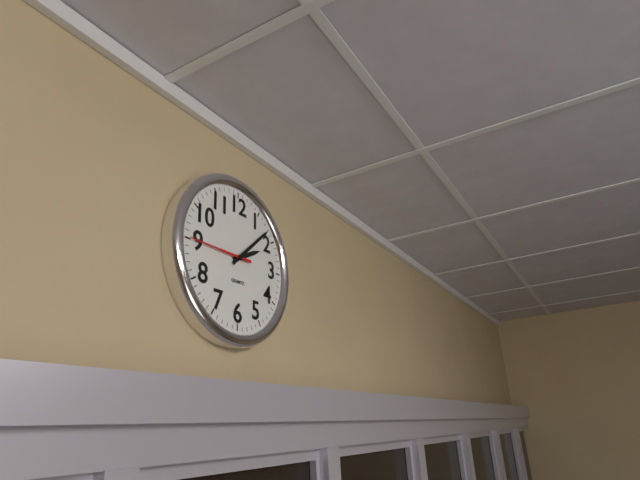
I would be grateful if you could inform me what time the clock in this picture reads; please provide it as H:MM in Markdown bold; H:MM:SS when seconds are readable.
**2:08:45**
